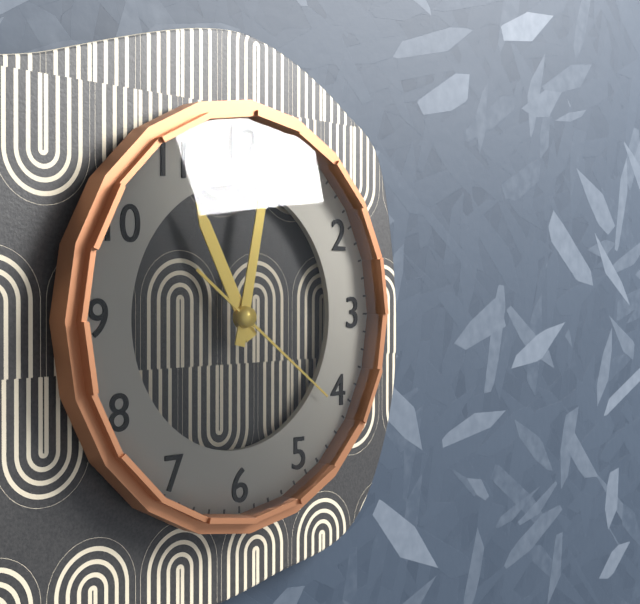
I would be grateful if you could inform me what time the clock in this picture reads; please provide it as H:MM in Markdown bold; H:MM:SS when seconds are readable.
**11:02:21**
